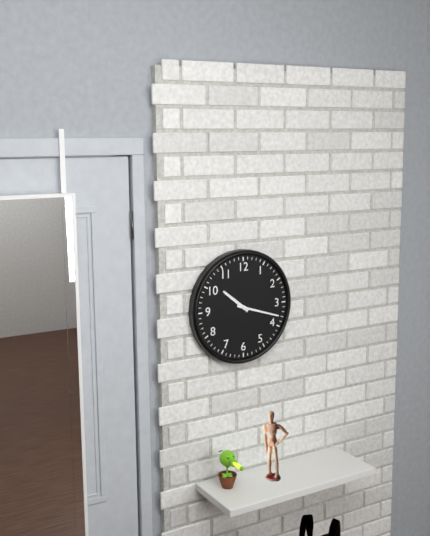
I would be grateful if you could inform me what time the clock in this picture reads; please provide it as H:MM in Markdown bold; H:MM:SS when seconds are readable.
**10:18**
